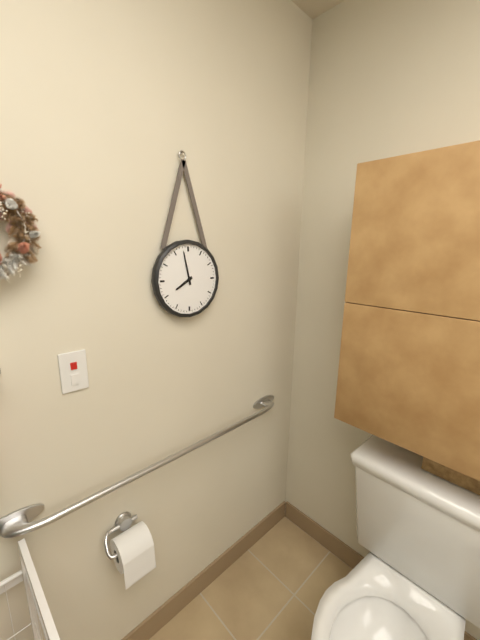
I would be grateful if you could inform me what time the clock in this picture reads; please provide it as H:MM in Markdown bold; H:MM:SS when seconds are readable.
**7:58**
